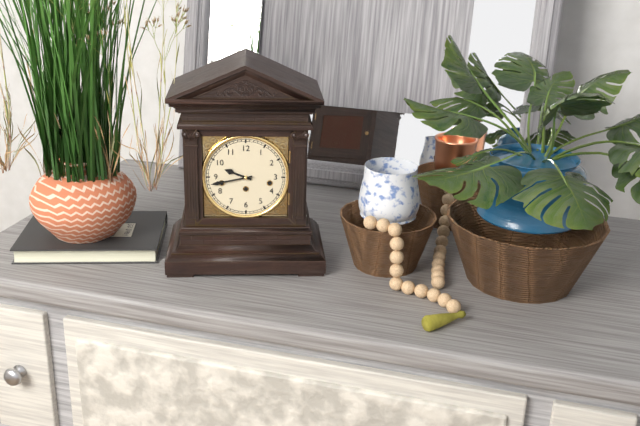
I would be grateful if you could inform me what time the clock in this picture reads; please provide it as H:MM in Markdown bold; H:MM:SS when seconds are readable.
**9:43**
